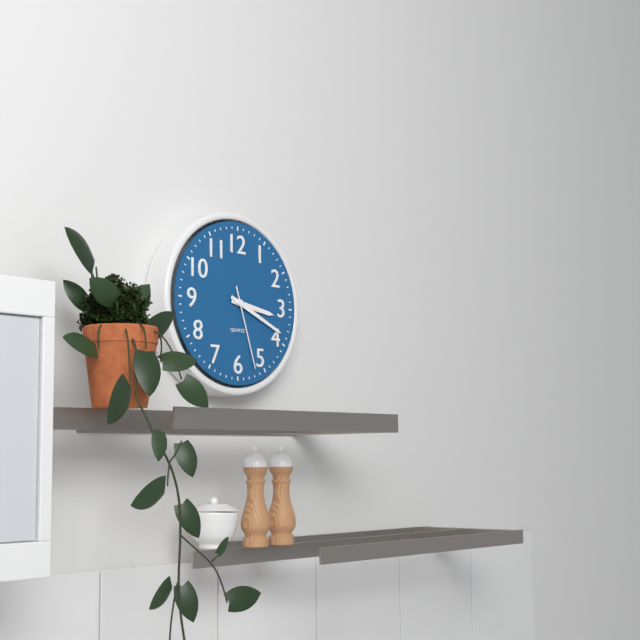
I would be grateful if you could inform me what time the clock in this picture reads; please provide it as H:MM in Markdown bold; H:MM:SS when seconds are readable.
**3:19:27**
